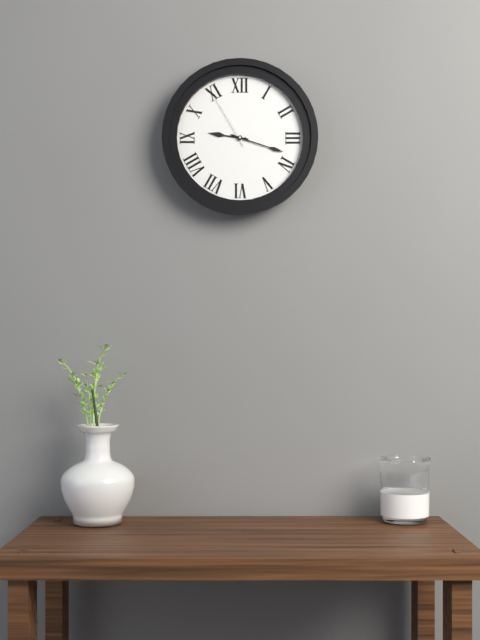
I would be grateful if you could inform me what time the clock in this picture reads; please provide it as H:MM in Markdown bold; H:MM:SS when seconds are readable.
**9:18:55**
